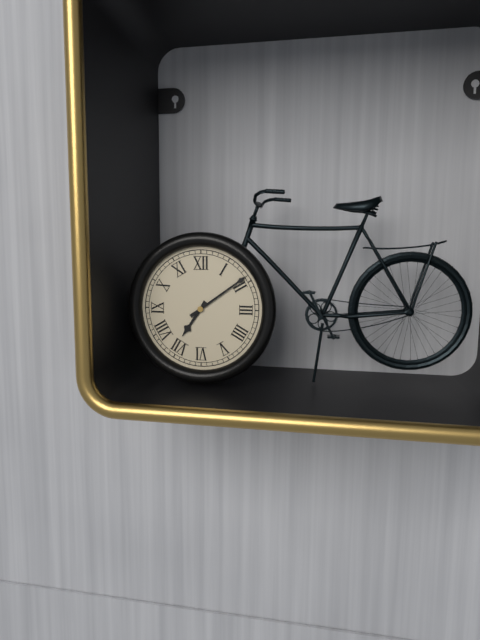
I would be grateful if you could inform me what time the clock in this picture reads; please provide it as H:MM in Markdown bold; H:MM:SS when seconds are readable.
**7:09**
